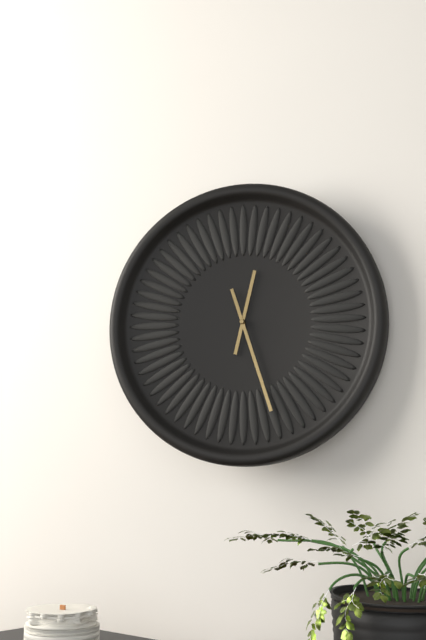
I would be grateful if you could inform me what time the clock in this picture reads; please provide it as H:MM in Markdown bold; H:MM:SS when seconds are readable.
**12:27**
